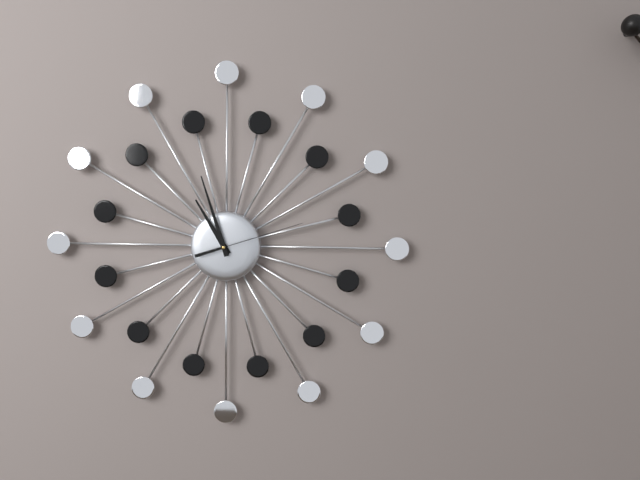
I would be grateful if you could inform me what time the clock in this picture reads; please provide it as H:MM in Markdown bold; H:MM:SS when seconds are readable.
**10:57:12**
